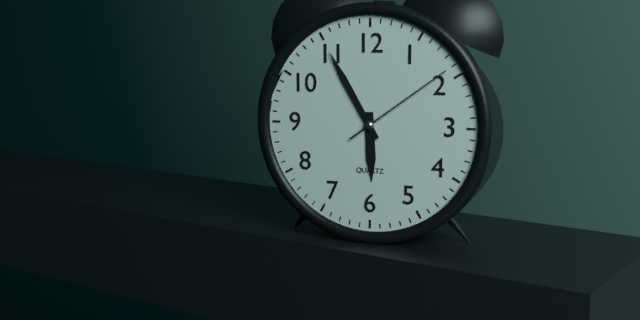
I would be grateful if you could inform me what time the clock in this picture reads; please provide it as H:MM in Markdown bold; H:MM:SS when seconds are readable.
**5:55:09**
